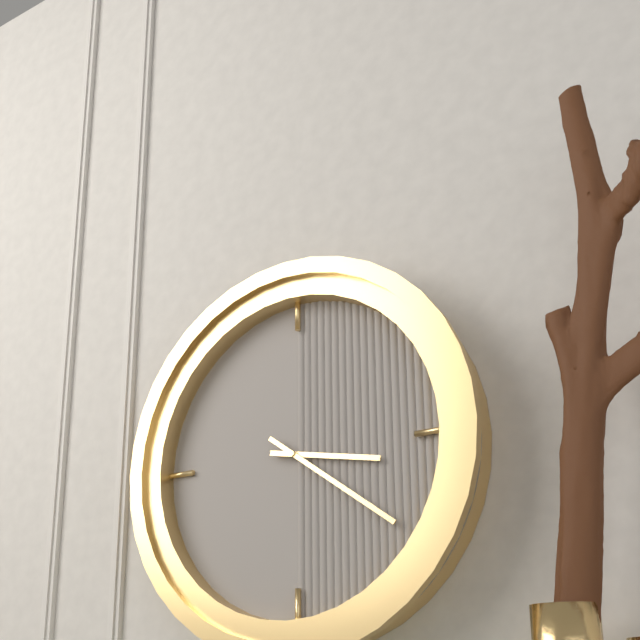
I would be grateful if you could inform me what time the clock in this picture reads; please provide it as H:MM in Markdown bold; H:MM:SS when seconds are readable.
**3:21**
